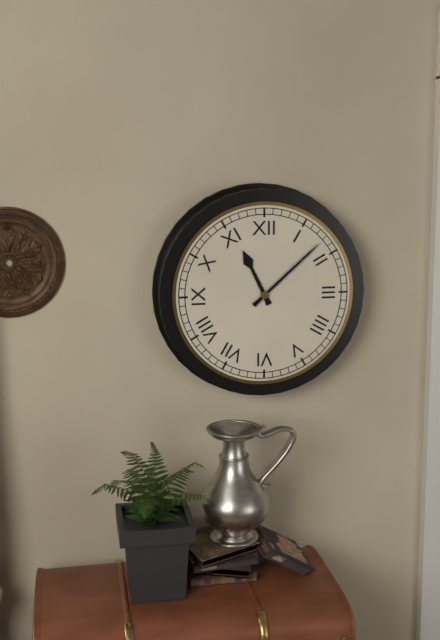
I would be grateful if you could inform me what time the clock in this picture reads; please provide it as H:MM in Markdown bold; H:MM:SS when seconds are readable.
**11:08**
